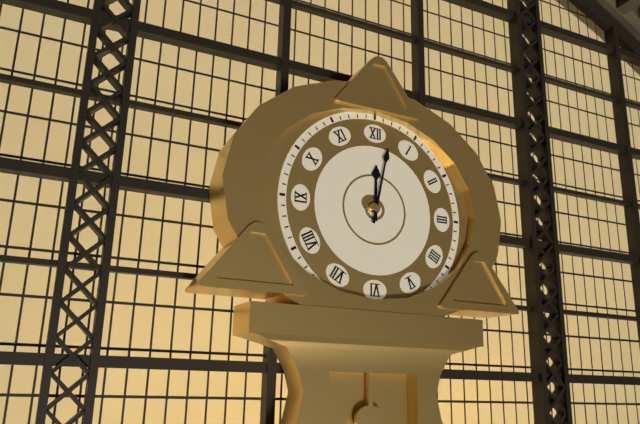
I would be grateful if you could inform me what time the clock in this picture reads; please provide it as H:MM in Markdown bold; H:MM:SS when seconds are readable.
**12:02**
